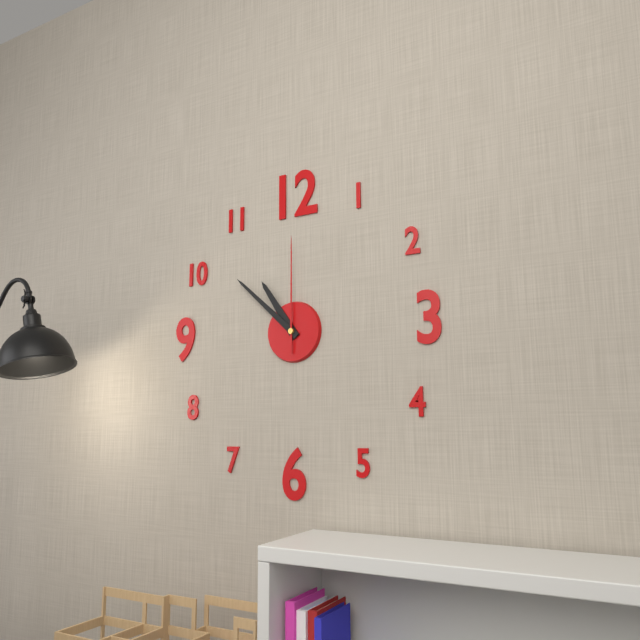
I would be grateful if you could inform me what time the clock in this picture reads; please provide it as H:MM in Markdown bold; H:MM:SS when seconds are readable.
**10:52:00**
